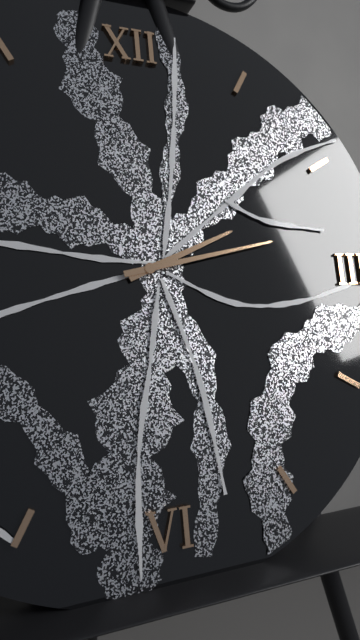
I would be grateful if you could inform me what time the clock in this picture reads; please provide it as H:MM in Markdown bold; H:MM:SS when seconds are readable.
**2:13**
